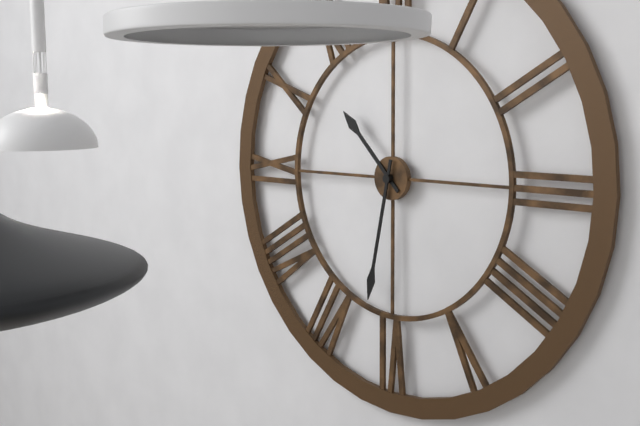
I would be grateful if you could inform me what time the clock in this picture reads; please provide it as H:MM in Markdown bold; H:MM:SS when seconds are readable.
**10:32**
